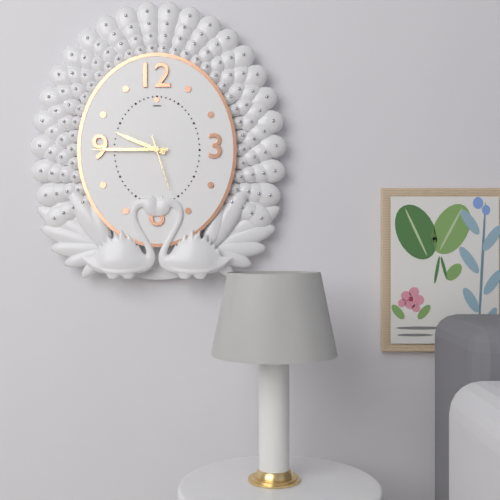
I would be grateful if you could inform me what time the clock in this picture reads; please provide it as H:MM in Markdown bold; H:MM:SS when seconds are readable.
**9:45:27**
